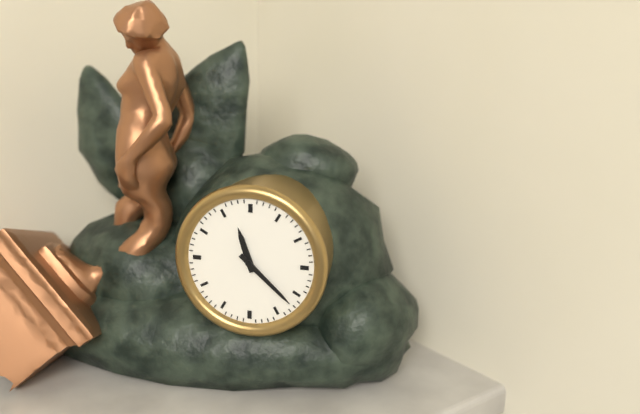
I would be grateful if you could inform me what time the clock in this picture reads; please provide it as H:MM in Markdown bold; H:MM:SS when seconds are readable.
**11:22**
